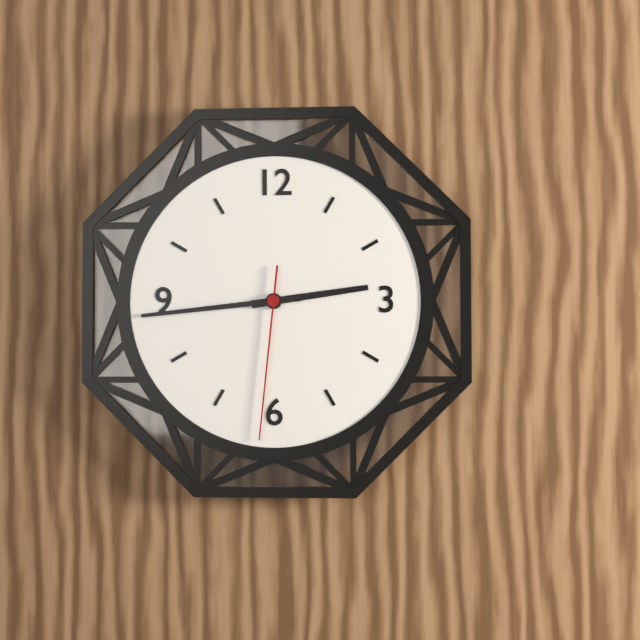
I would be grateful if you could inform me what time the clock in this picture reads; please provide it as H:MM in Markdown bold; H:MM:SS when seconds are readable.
**2:44:31**
